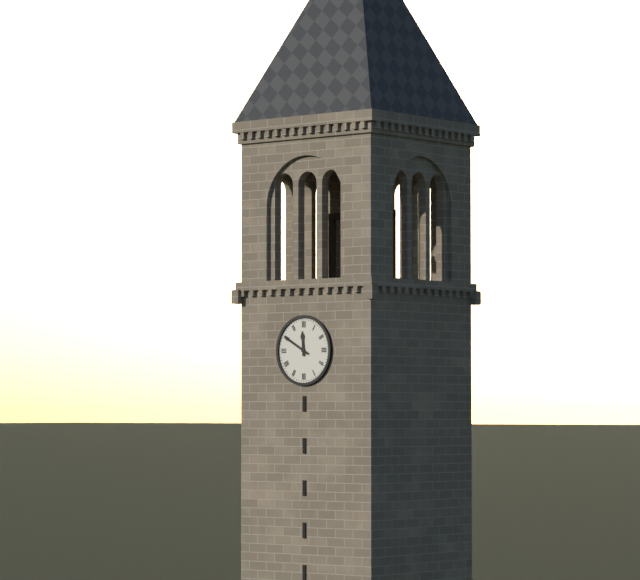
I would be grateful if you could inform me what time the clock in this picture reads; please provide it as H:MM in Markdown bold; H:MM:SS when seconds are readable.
**11:50**
